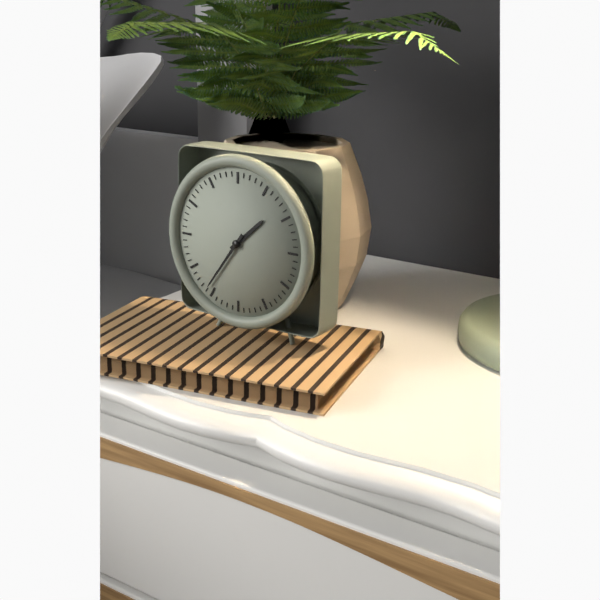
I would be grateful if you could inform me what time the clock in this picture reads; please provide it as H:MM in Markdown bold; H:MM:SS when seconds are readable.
**1:36**
